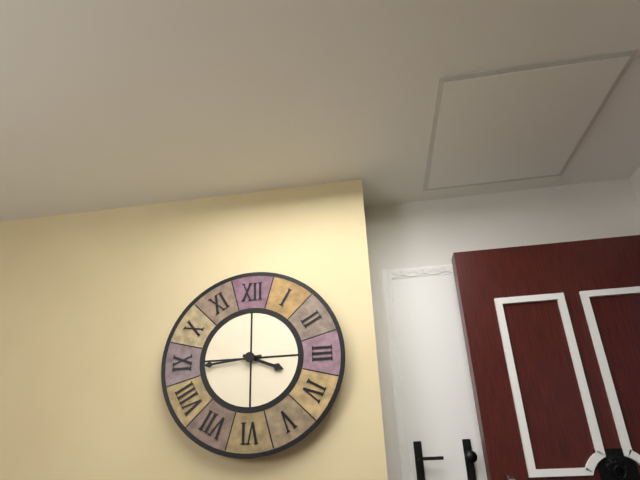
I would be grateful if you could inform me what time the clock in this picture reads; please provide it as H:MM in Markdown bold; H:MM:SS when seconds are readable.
**3:44**
